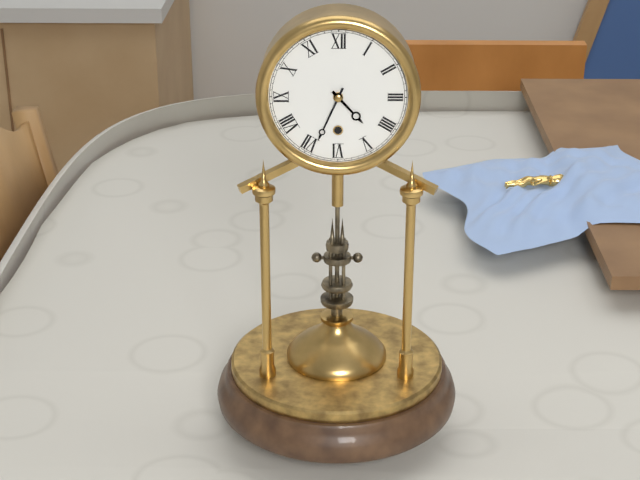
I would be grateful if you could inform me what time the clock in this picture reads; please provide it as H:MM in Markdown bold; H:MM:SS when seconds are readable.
**4:34**
